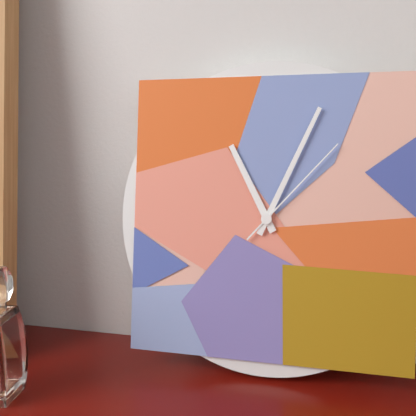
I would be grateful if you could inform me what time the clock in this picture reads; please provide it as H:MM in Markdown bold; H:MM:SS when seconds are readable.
**11:04:07**
